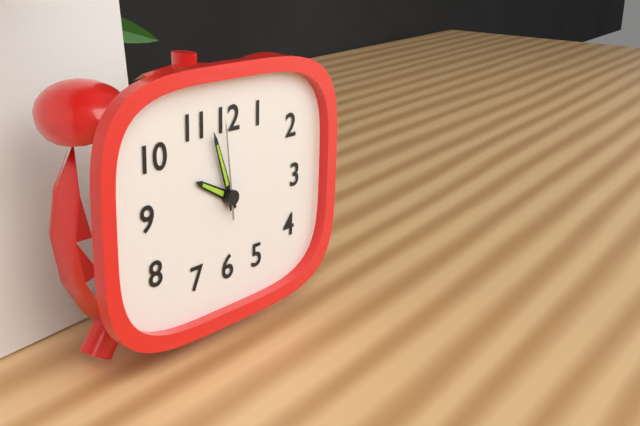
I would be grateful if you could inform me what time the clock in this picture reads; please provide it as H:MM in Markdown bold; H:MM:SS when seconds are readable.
**9:57:59**
